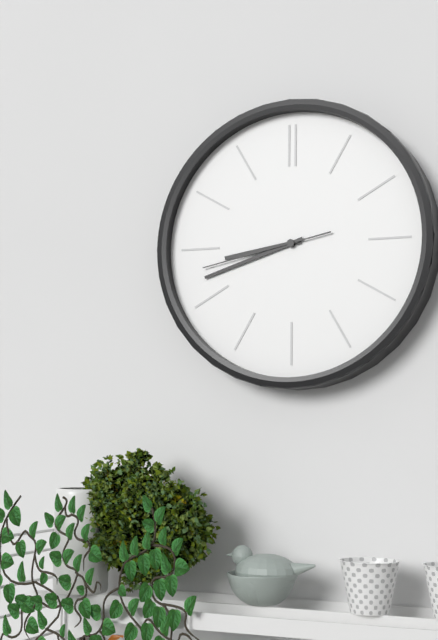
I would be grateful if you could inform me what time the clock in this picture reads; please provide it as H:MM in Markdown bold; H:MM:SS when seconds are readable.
**8:42:43**
